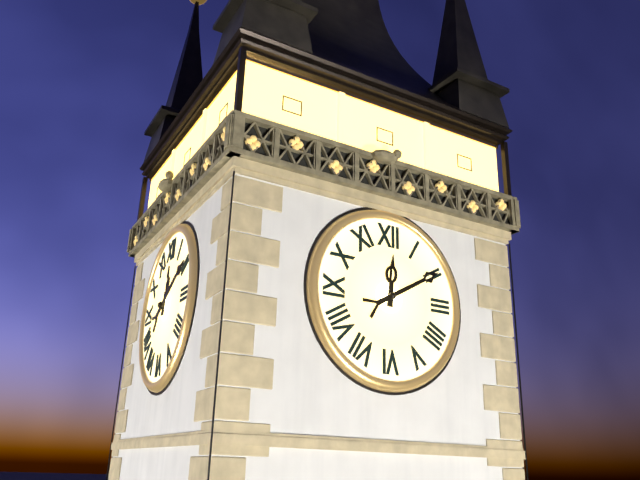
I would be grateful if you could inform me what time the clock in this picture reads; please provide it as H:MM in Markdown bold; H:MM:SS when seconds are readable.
**12:10**
